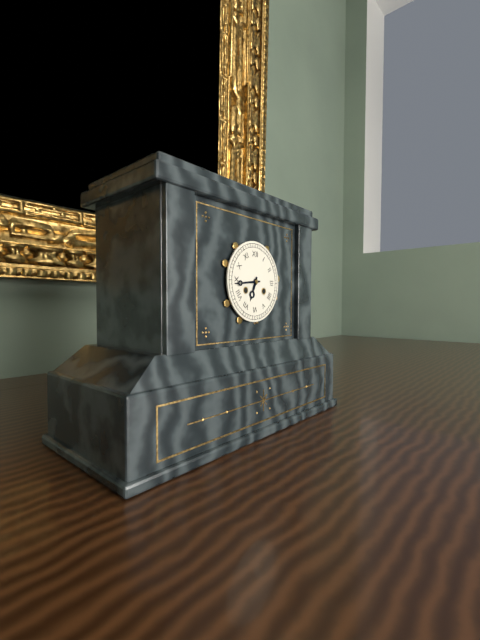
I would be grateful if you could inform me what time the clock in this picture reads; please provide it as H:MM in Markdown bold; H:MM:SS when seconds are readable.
**6:44**
